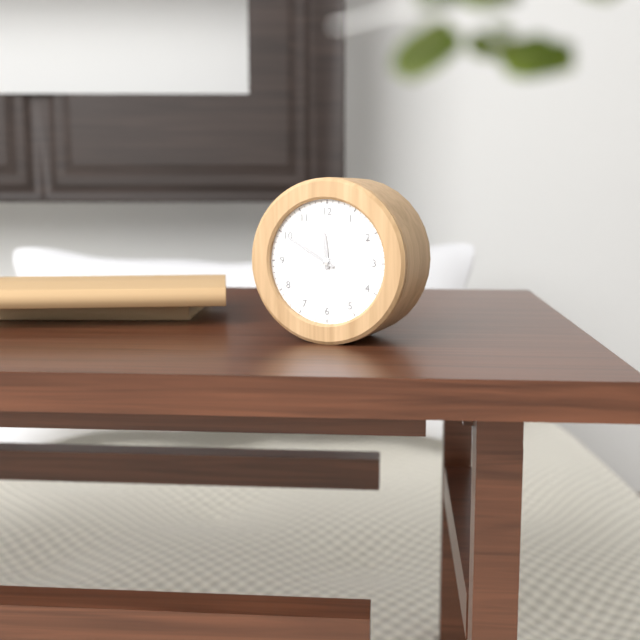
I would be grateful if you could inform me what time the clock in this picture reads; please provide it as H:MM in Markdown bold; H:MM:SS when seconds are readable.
**11:50:10**
